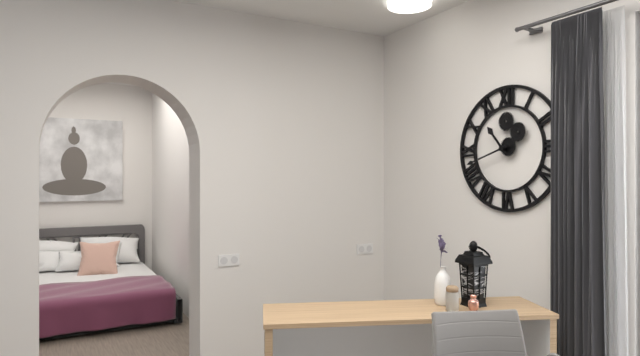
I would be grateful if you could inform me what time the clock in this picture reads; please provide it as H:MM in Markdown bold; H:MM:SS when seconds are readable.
**10:42**
